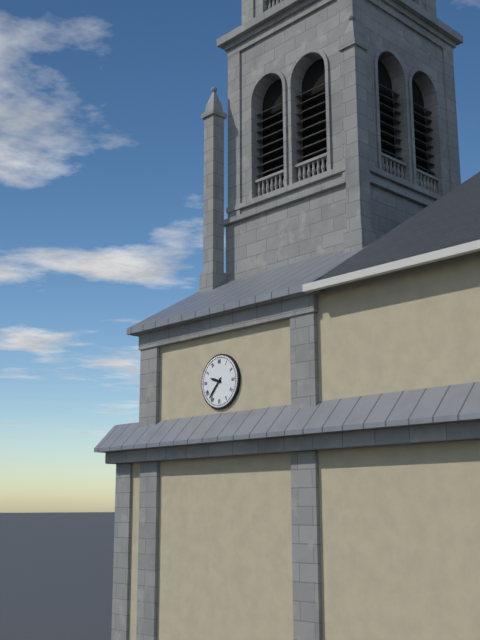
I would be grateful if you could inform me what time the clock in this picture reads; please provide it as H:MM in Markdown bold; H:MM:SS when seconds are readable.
**9:37**
